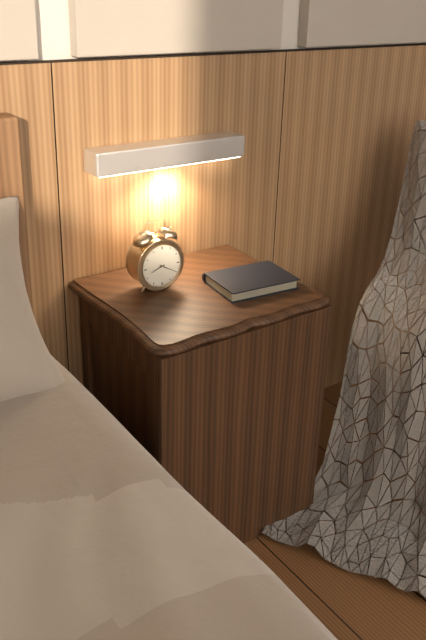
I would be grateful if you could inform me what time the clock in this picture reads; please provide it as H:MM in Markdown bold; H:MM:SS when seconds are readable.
**8:20**
